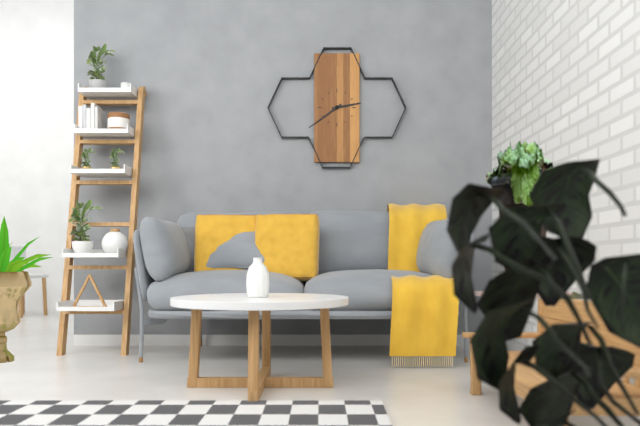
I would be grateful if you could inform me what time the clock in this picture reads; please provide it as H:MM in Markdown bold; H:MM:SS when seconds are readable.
**2:39**
